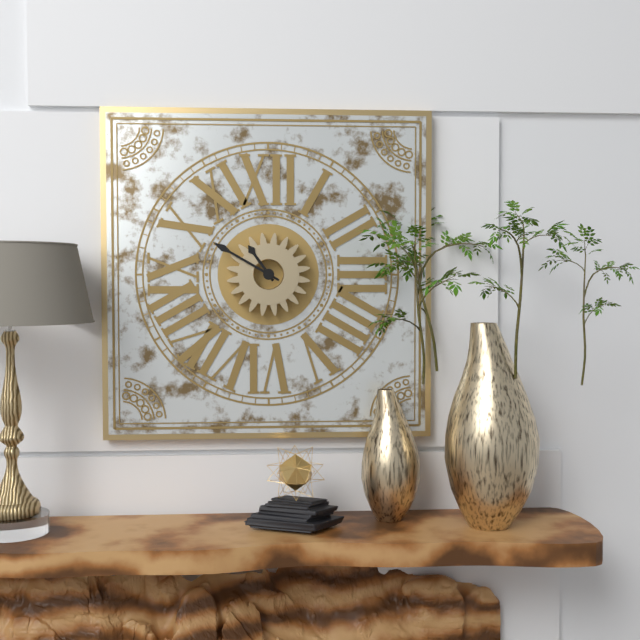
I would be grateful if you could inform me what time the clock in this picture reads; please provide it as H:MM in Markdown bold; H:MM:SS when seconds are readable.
**10:50**
